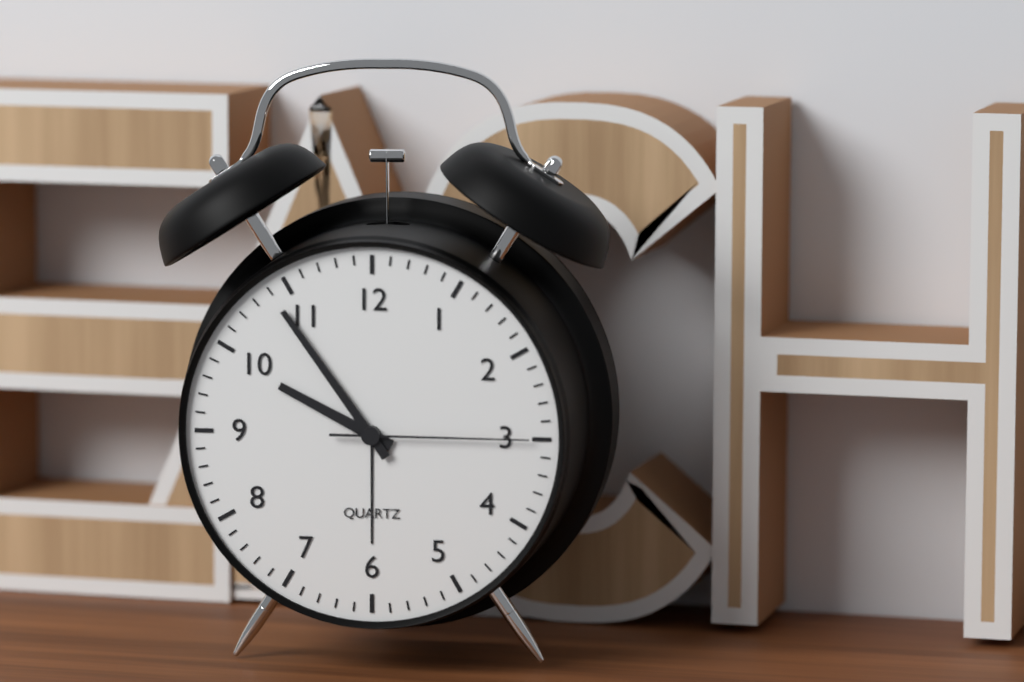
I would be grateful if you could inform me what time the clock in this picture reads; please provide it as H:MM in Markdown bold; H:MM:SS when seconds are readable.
**9:54:15**
